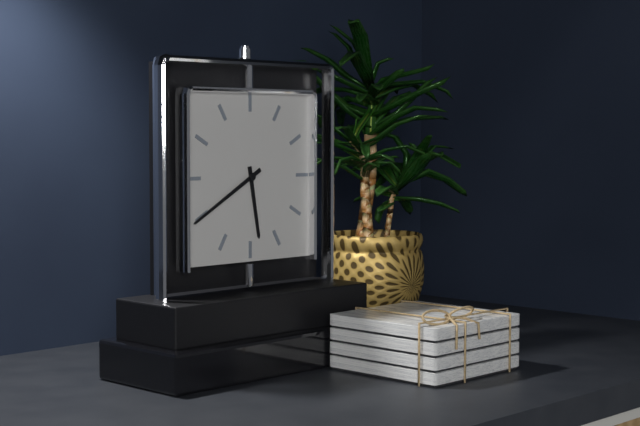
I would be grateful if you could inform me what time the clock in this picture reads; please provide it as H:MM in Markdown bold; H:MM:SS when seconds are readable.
**5:40**
